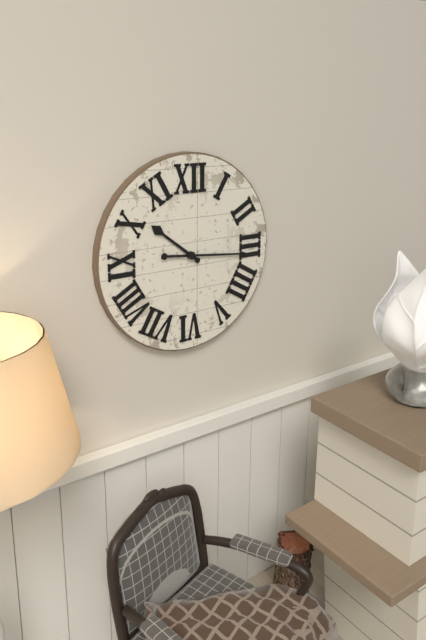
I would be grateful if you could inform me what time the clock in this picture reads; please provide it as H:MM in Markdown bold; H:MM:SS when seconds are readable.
**10:16**
